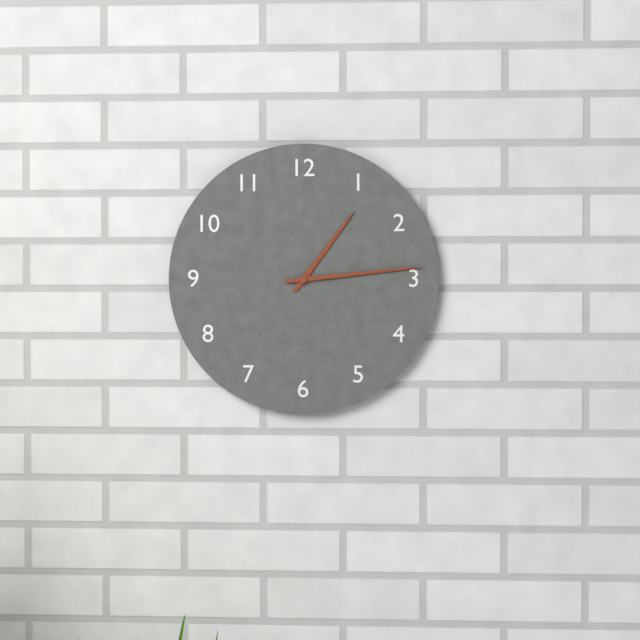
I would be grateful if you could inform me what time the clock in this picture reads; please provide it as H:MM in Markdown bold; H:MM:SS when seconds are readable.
**1:14**
